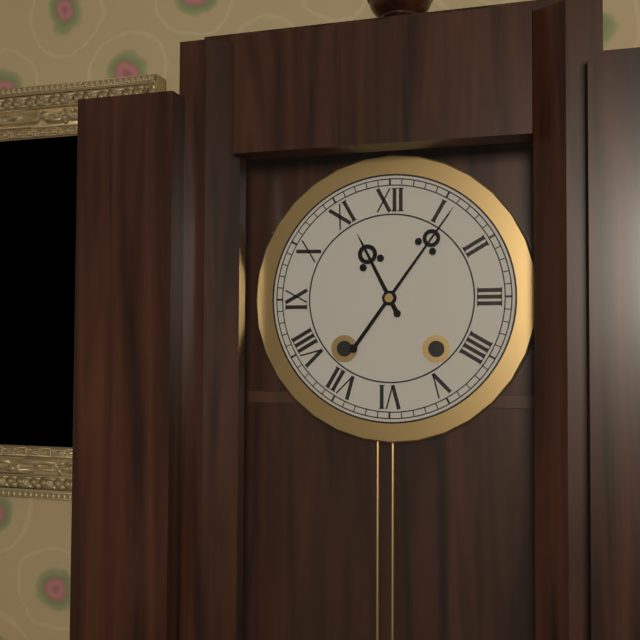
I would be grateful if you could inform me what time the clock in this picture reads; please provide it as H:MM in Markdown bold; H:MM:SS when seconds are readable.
**11:06**
